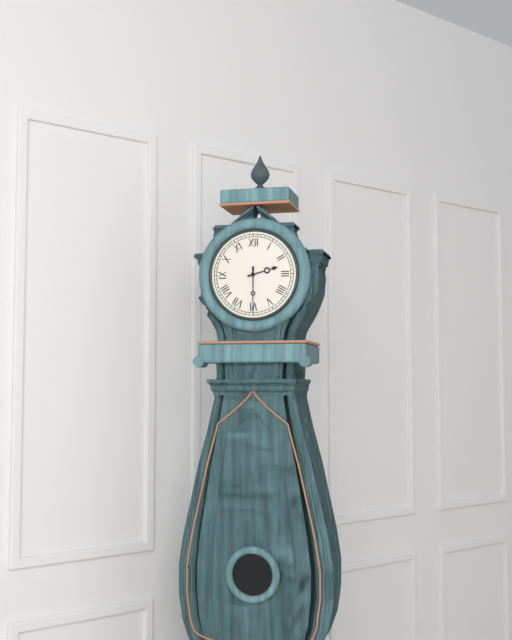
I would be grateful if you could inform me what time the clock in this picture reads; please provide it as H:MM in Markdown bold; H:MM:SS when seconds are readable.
**2:30**
